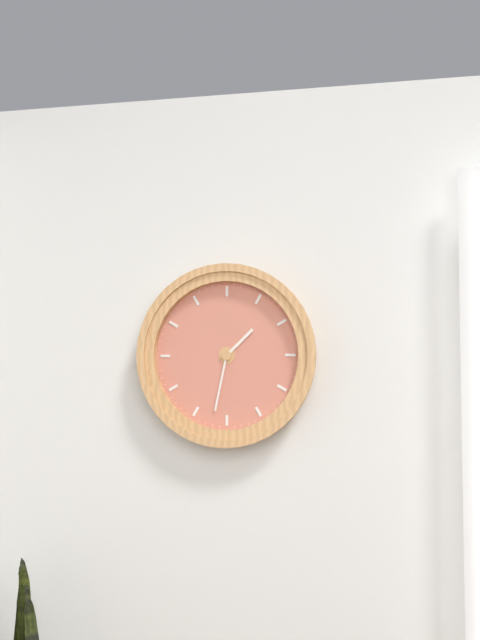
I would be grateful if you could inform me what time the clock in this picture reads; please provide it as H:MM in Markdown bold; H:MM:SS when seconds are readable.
**1:32**
